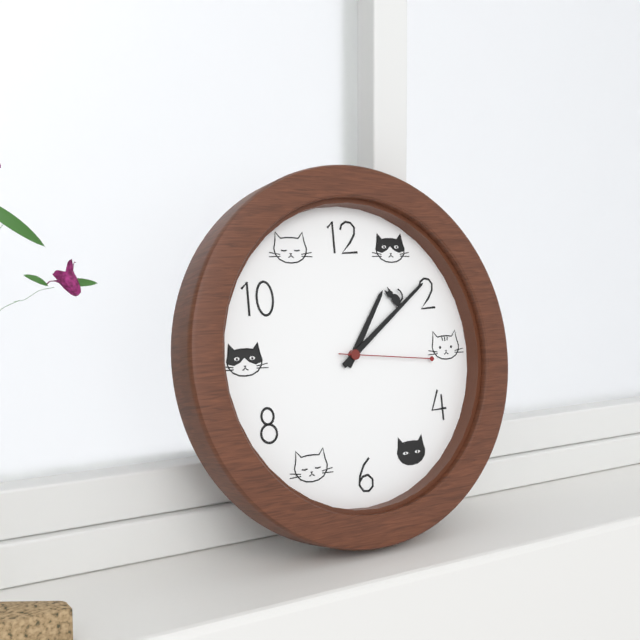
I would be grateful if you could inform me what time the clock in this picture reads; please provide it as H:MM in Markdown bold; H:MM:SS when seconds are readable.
**1:09:16**
